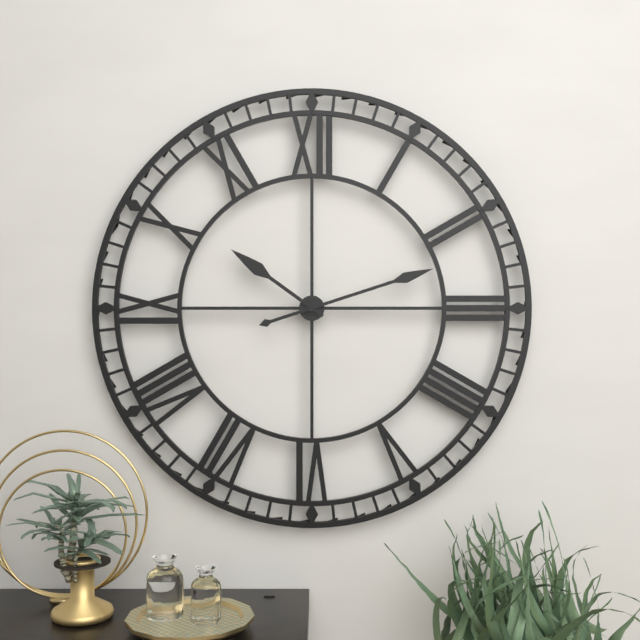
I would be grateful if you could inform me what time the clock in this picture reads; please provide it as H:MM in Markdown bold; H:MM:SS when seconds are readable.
**10:12**
